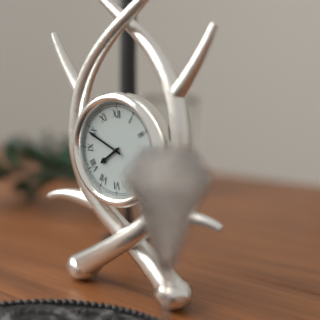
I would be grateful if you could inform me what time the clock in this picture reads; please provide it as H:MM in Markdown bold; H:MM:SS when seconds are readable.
**7:49**
